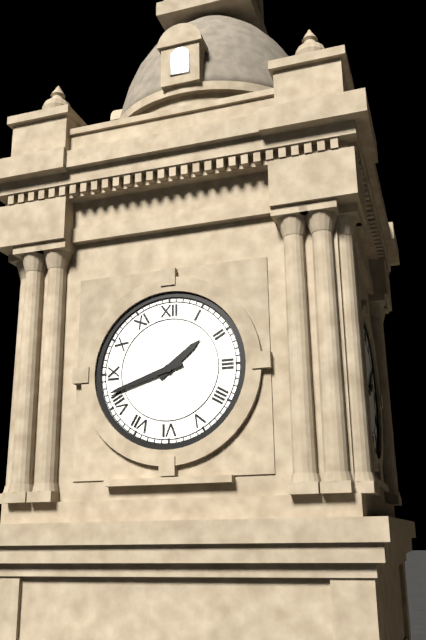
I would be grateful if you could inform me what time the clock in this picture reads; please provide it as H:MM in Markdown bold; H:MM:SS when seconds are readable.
**1:42**
